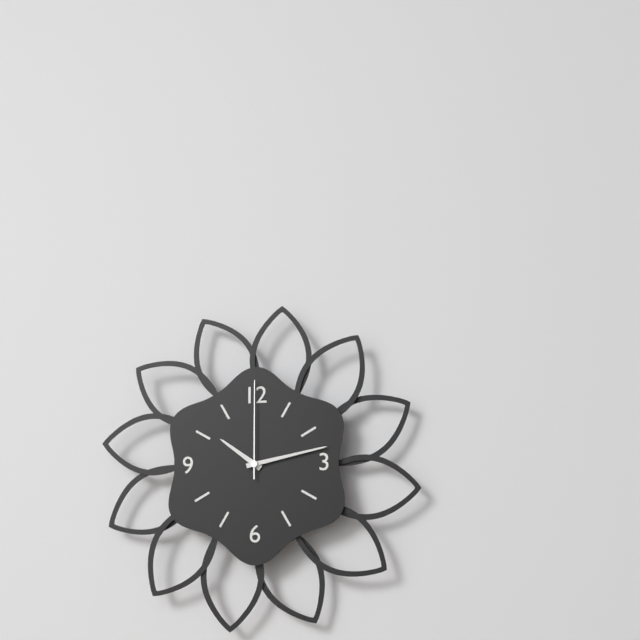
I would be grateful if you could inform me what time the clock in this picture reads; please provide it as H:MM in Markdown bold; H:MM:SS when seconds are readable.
**10:13:00**
